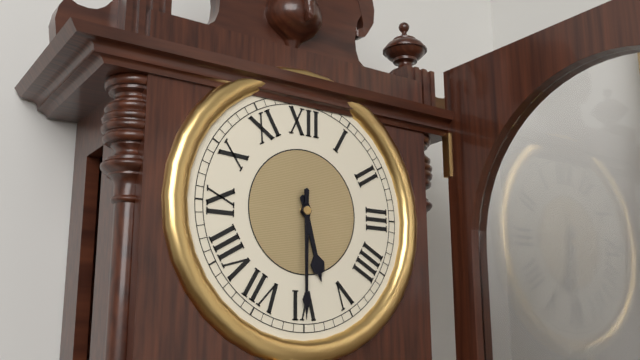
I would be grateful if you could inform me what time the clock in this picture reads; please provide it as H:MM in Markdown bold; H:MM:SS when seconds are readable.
**5:30**
